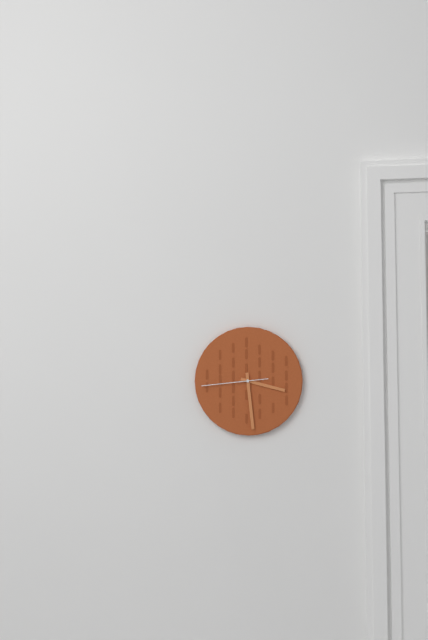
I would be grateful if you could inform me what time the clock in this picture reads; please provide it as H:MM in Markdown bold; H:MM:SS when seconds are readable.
**3:29:44**
